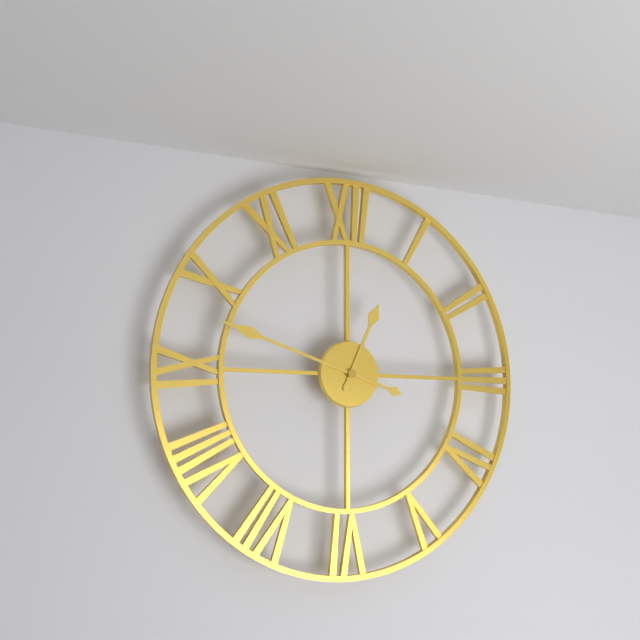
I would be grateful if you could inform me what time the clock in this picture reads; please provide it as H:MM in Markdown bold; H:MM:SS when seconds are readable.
**12:48**
